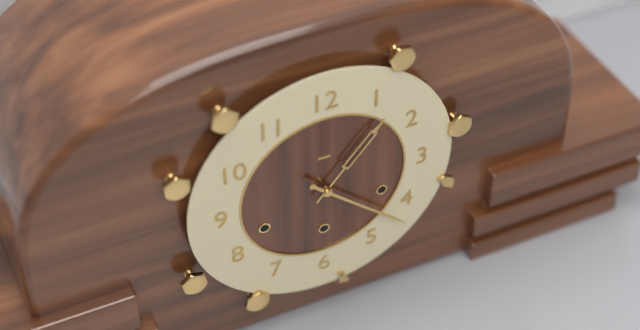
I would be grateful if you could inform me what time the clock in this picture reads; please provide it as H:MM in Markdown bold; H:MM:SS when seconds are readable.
**1:22**
